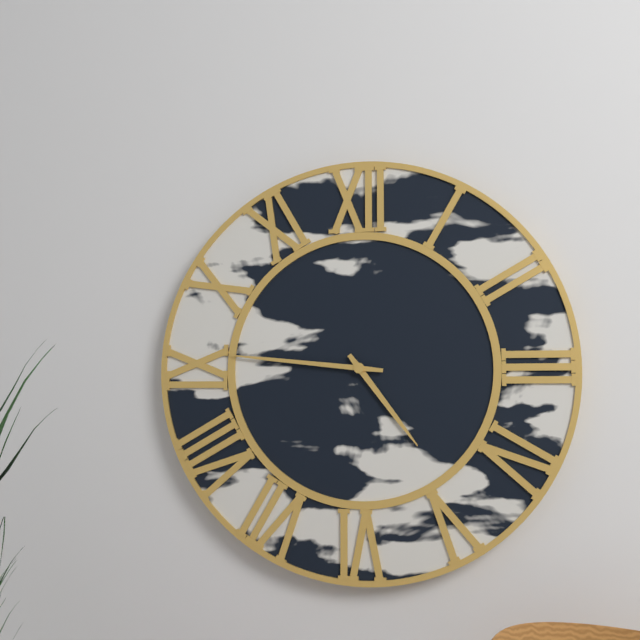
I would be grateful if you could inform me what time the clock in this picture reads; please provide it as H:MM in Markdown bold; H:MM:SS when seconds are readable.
**4:46**
